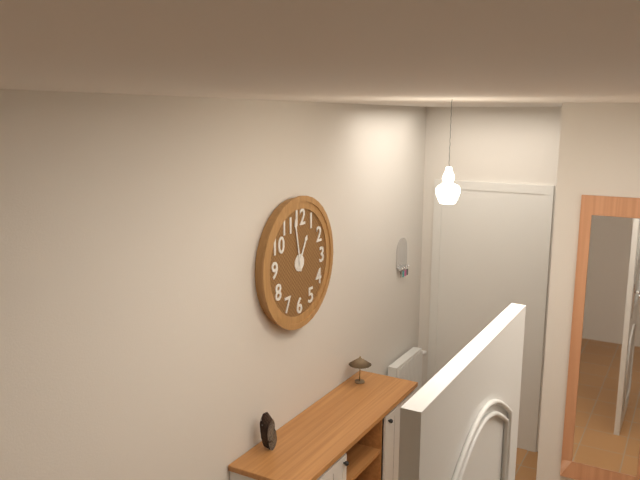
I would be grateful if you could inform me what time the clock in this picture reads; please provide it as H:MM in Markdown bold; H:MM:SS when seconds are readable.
**12:58**
